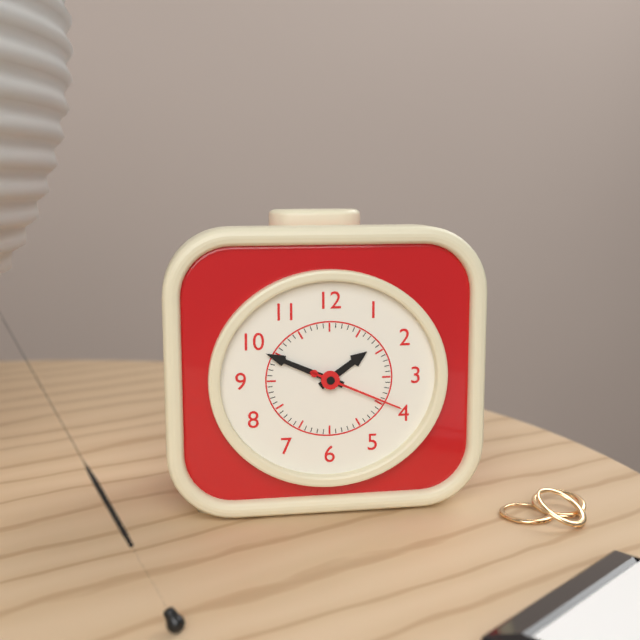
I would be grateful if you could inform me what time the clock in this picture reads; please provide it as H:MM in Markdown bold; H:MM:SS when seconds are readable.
**1:49:19**
